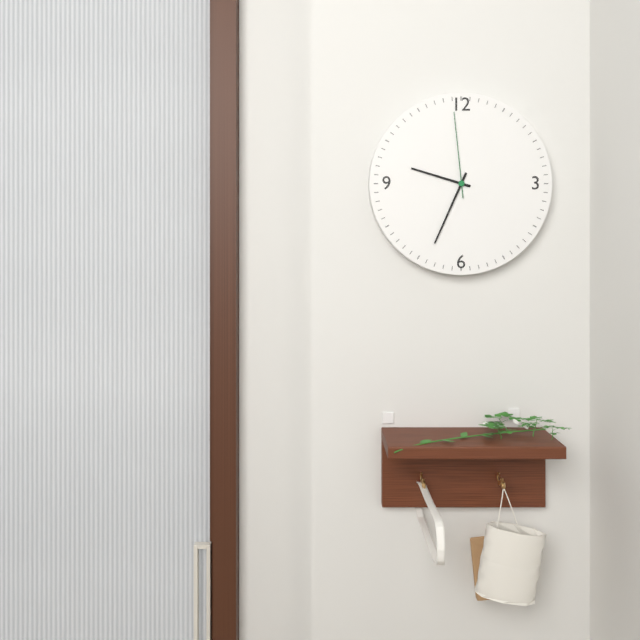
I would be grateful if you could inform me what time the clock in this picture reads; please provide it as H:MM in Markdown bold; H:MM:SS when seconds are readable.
**9:34:59**
